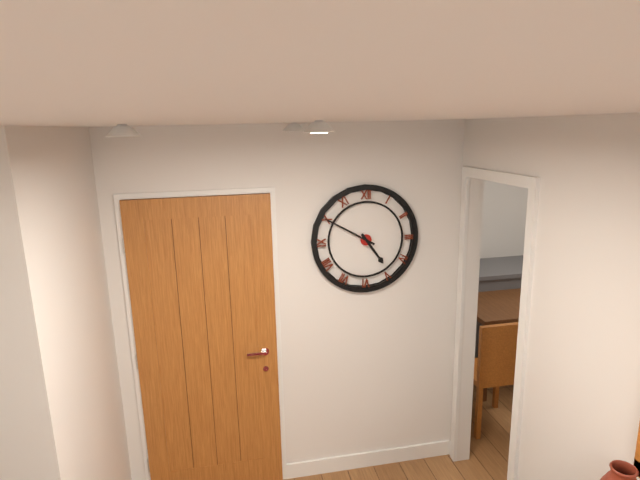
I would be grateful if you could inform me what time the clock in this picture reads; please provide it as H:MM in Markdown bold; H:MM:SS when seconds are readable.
**4:50**
